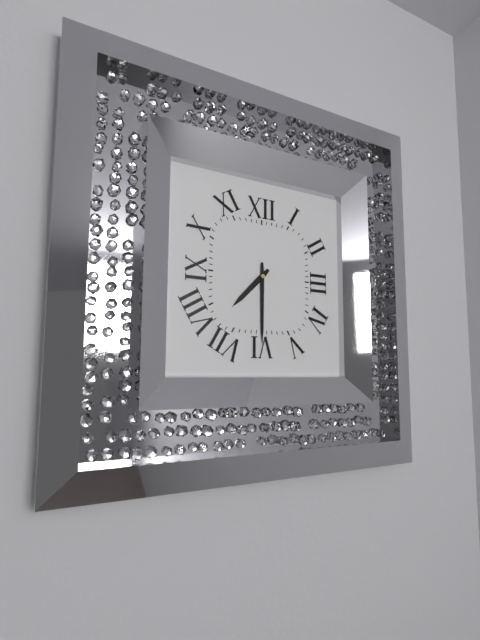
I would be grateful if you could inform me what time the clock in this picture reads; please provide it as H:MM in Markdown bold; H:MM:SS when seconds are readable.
**7:30**
